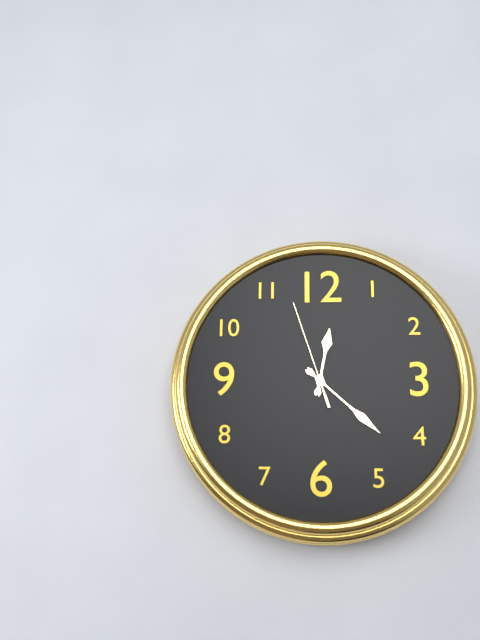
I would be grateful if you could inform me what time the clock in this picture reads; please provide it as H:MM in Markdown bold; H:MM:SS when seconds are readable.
**12:22:57**
